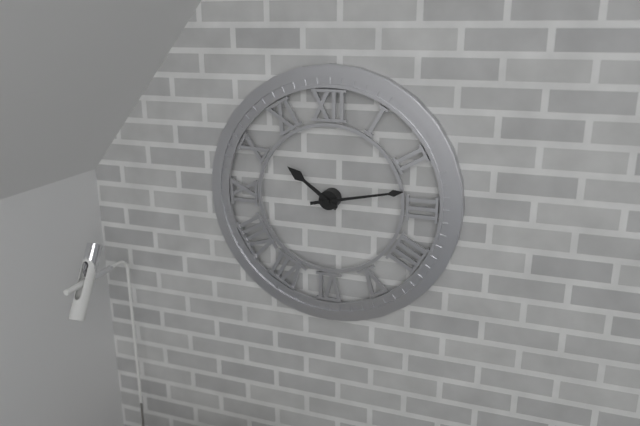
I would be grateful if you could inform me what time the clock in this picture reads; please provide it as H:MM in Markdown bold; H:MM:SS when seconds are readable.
**10:13**
